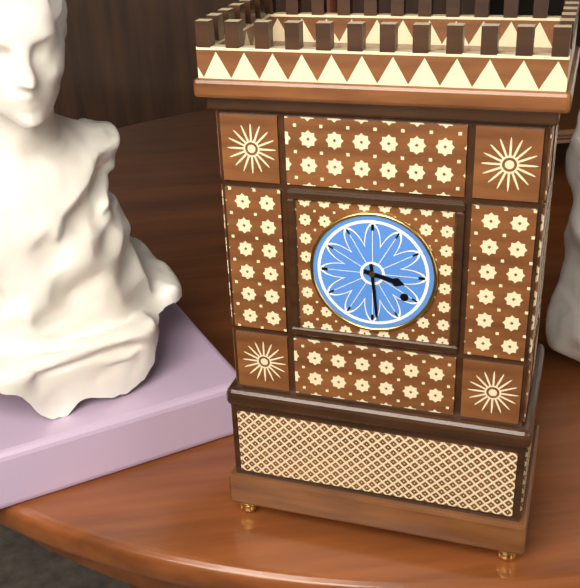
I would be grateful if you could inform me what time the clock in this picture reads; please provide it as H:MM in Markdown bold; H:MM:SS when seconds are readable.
**3:29**
